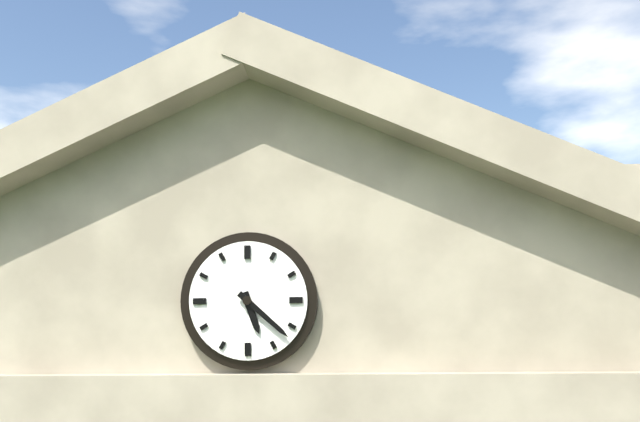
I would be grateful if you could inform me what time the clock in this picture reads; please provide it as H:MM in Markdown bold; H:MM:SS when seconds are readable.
**5:22**
